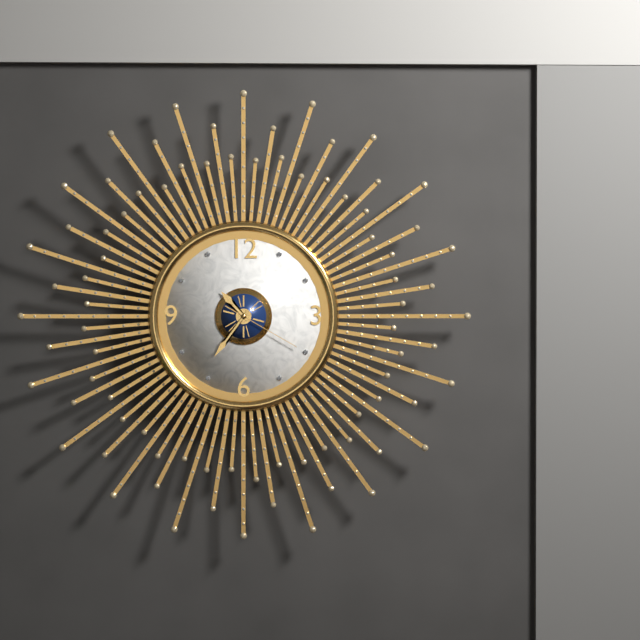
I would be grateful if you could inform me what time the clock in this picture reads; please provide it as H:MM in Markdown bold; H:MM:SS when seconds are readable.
**10:36:20**
